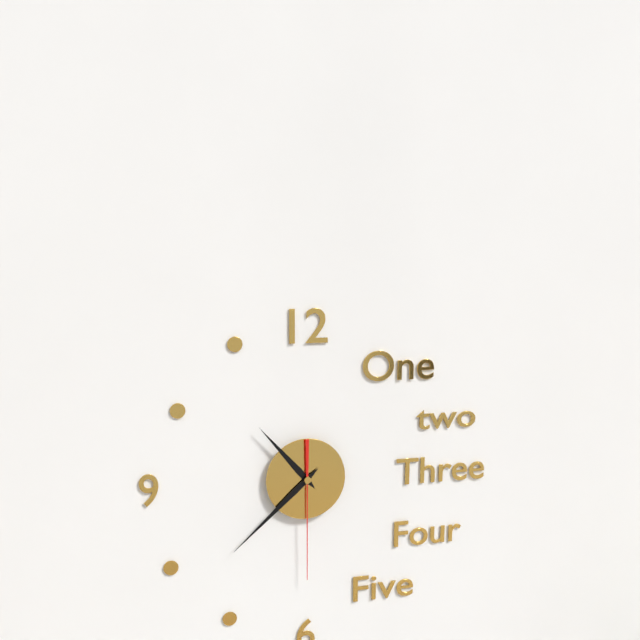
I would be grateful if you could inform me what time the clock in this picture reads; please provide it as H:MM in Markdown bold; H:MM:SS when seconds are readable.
**10:38:30**
